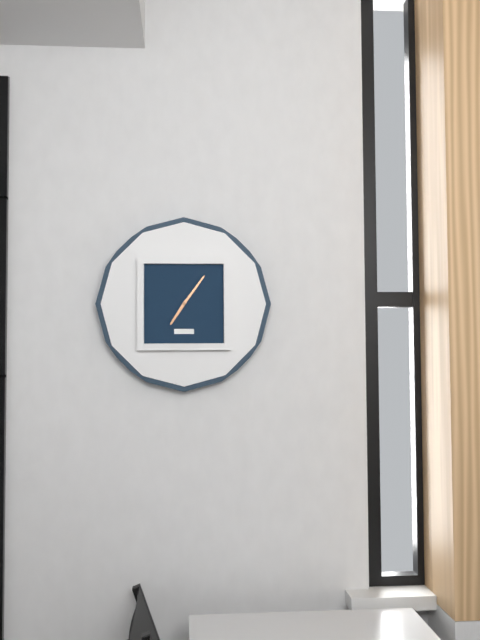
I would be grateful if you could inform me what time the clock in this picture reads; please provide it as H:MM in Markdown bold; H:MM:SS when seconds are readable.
**7:06**
